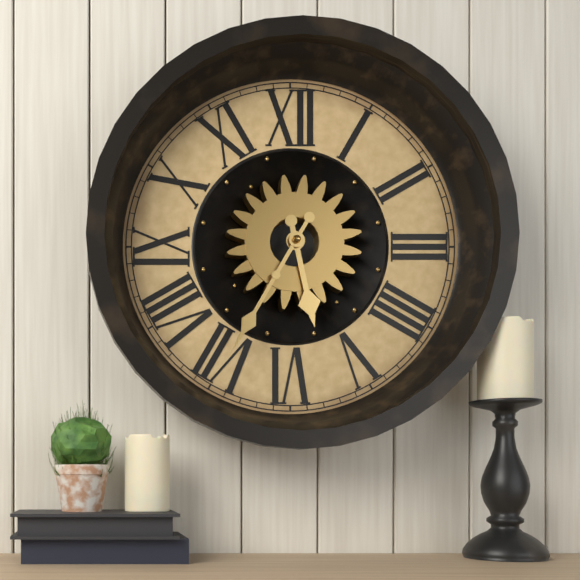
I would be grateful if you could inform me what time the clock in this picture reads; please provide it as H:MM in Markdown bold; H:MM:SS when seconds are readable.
**5:35**
